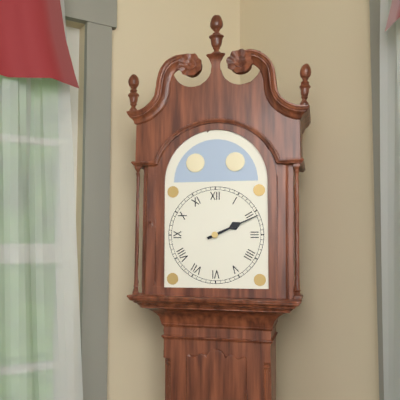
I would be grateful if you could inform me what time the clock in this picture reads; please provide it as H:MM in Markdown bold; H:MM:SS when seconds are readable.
**2:11**
